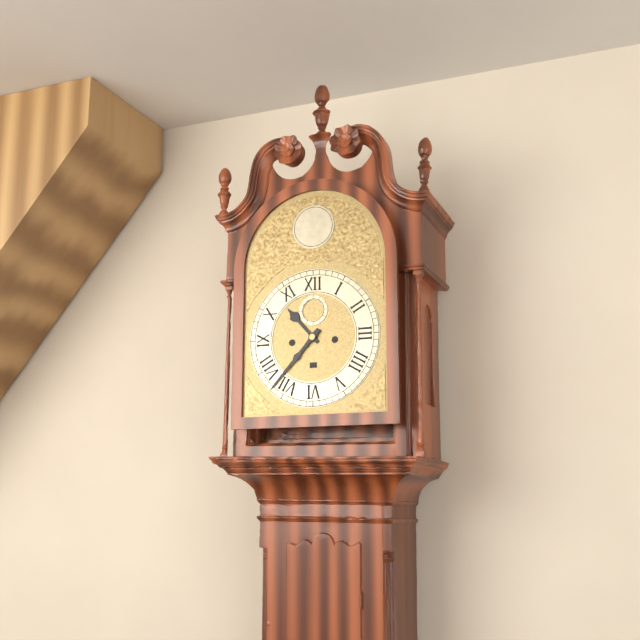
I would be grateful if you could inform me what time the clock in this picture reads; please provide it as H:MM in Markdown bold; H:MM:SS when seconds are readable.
**10:37**
